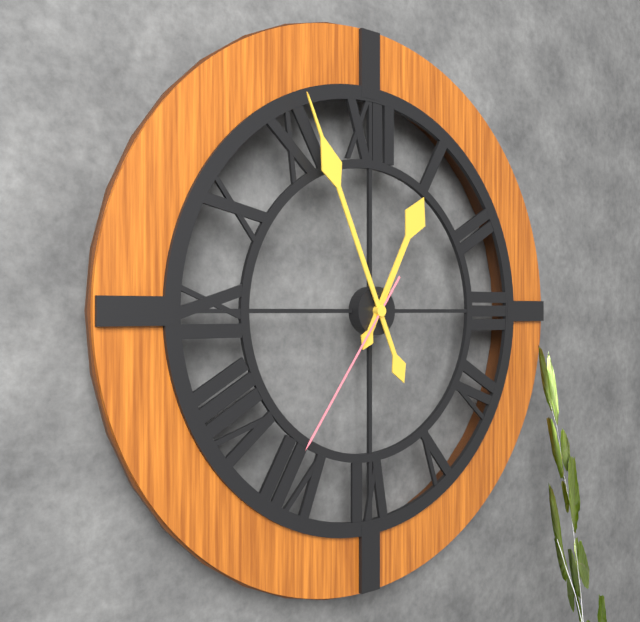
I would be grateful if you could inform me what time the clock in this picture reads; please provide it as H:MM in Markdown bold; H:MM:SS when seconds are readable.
**12:56:36**
